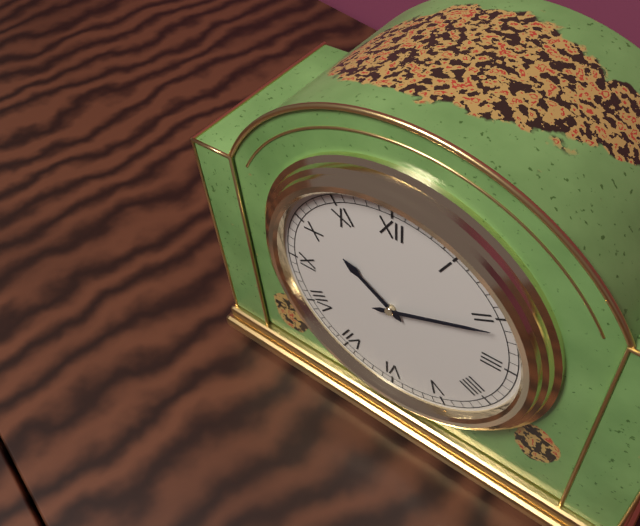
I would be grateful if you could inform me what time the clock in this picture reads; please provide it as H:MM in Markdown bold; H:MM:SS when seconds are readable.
**10:11**
